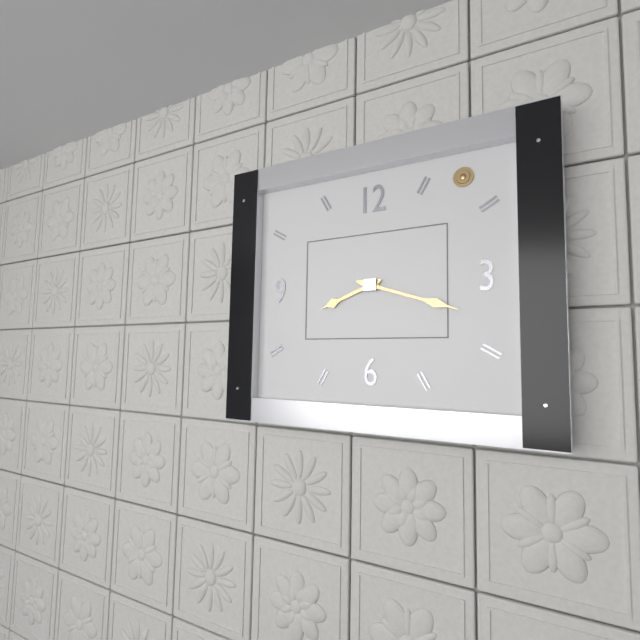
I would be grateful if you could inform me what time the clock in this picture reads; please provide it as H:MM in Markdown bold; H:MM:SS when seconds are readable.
**8:18**
